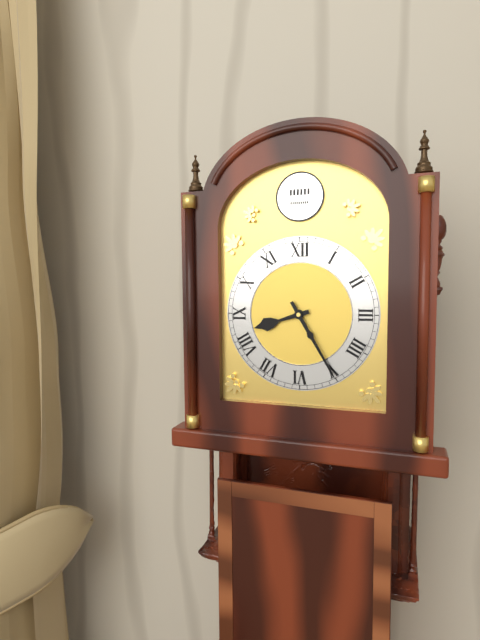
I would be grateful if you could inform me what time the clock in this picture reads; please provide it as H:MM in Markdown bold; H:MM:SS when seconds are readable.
**8:25**
